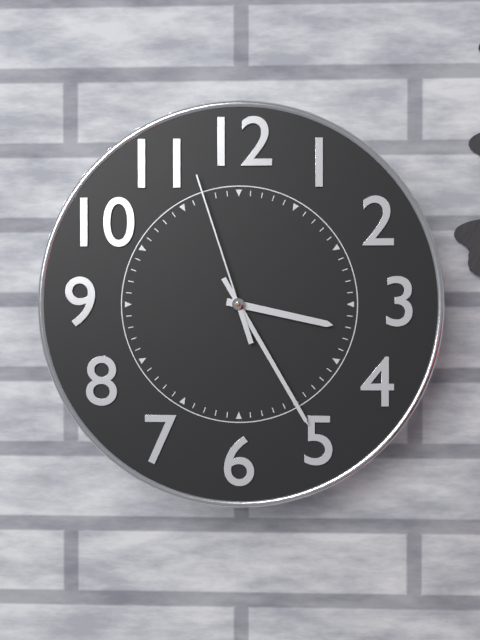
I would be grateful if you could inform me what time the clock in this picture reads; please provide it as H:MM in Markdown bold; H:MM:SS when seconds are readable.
**3:25:57**
